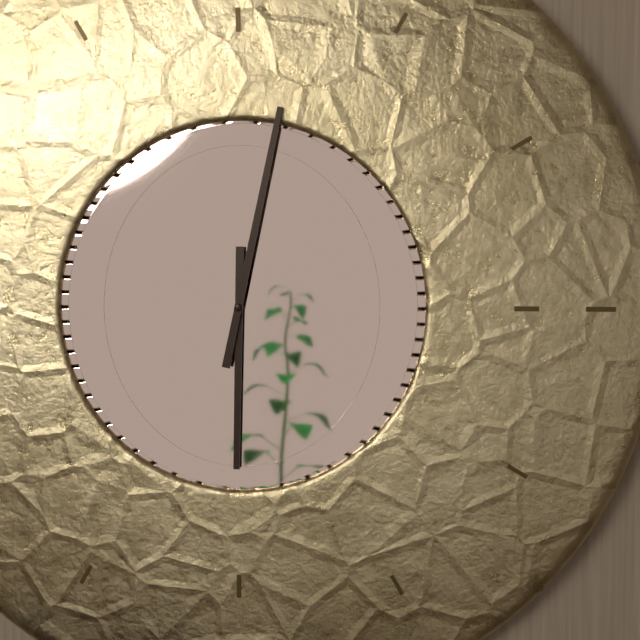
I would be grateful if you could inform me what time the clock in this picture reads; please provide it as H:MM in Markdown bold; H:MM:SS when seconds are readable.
**6:02**
